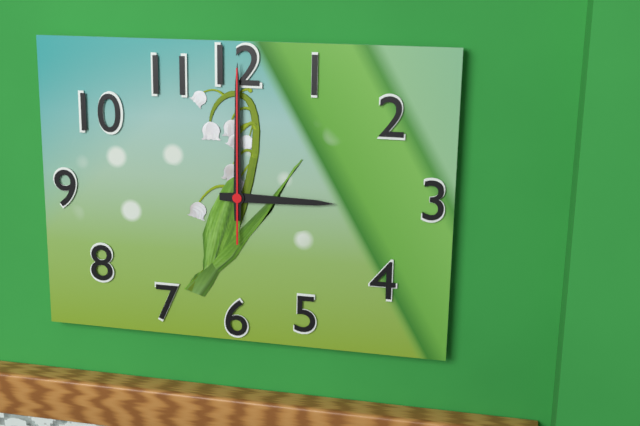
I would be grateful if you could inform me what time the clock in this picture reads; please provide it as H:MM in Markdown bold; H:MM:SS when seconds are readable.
**3:00:00**
